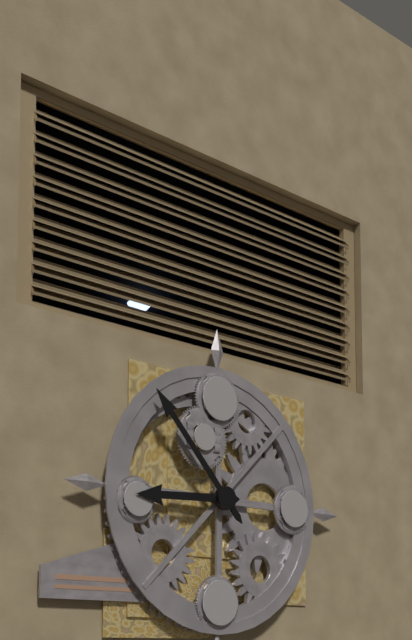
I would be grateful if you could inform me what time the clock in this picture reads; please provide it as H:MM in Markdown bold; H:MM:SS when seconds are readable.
**8:53**
